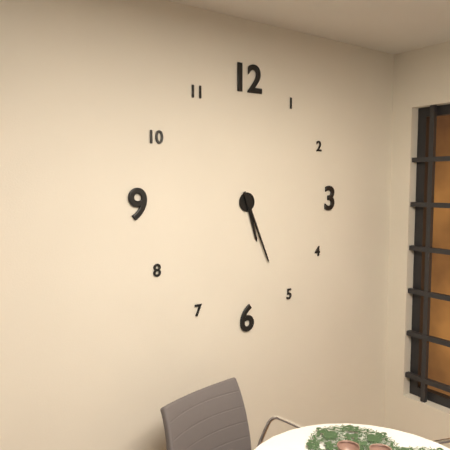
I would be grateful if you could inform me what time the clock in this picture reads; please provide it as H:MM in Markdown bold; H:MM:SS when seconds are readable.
**5:26**
